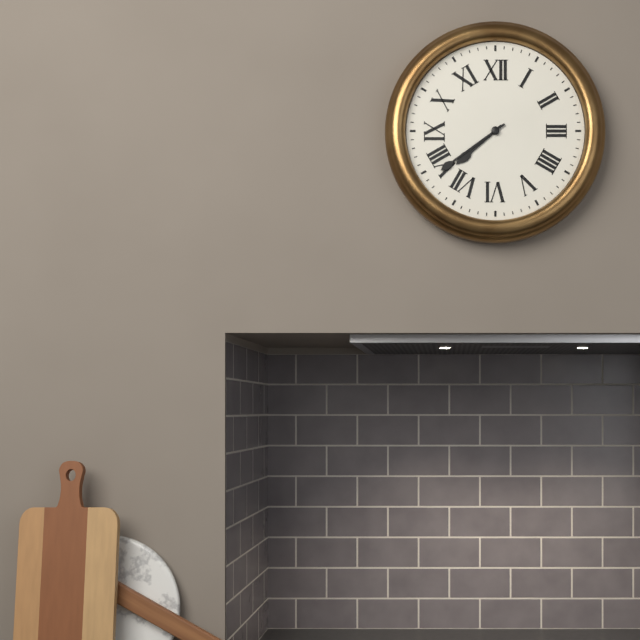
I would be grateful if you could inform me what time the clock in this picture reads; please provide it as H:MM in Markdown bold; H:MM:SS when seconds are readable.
**7:39**
